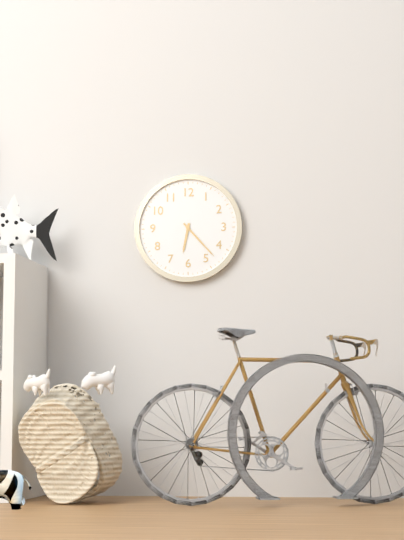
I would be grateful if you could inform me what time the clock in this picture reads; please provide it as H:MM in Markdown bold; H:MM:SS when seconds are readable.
**6:23**
